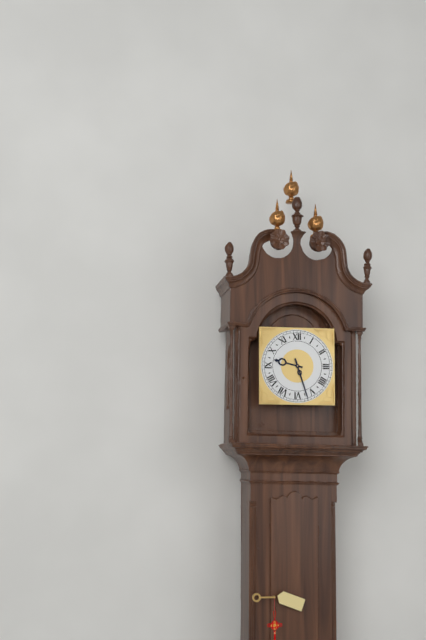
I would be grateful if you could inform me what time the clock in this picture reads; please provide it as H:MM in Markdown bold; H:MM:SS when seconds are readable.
**9:27**
